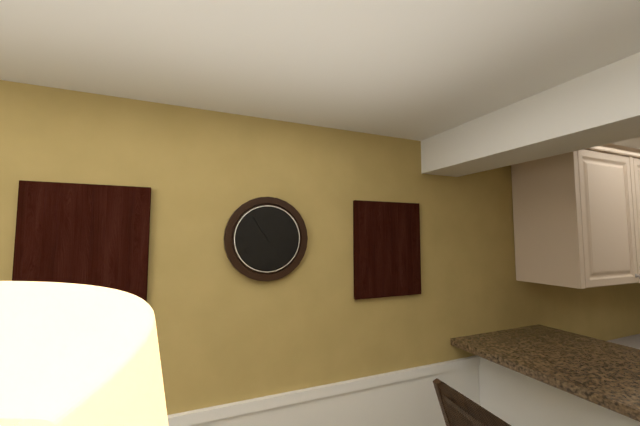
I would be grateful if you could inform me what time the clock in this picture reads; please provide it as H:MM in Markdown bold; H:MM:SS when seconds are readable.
**2:54**
